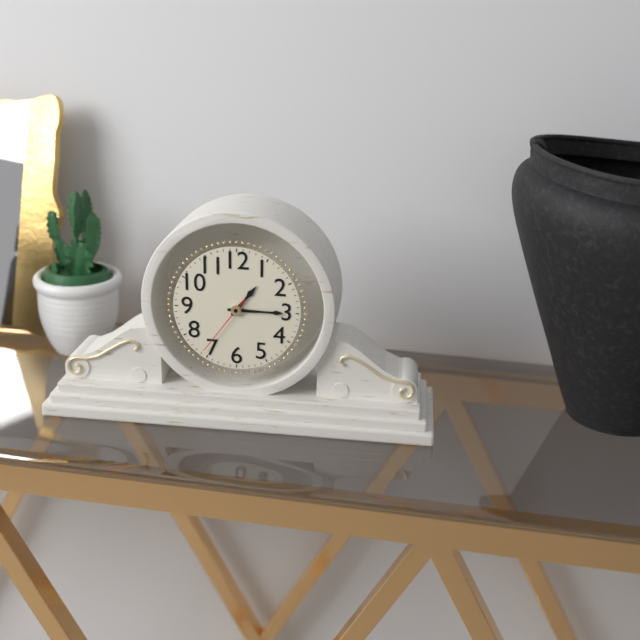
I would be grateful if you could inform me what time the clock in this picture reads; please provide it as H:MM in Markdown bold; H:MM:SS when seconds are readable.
**1:15:36**
